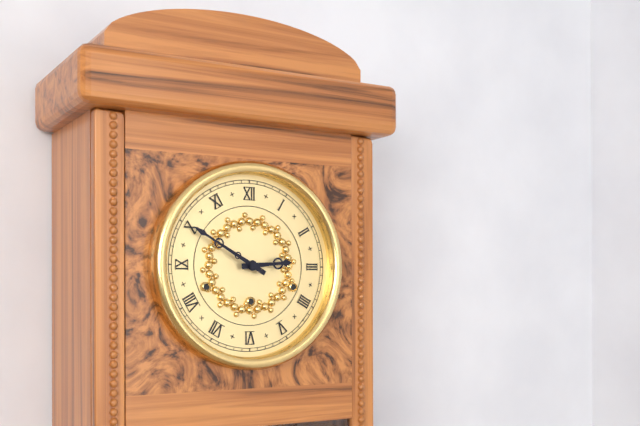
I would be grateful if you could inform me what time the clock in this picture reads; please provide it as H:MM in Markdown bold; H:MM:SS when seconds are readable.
**2:50**
